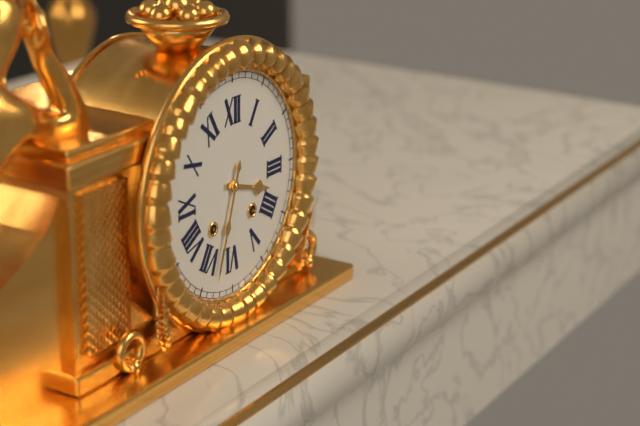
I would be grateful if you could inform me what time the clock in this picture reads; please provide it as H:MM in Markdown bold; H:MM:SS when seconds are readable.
**3:33**
